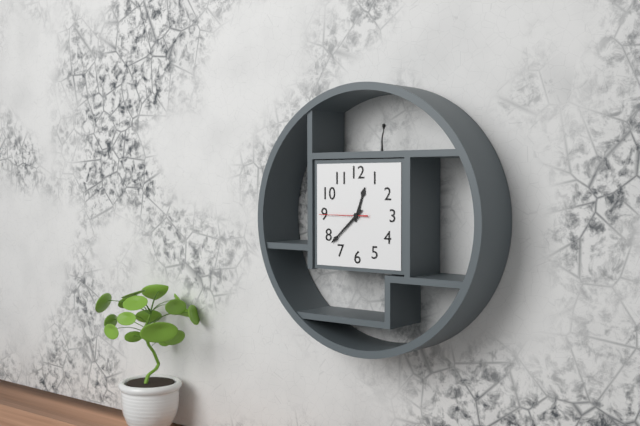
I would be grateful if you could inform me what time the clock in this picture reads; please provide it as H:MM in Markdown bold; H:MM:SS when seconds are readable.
**12:38**
